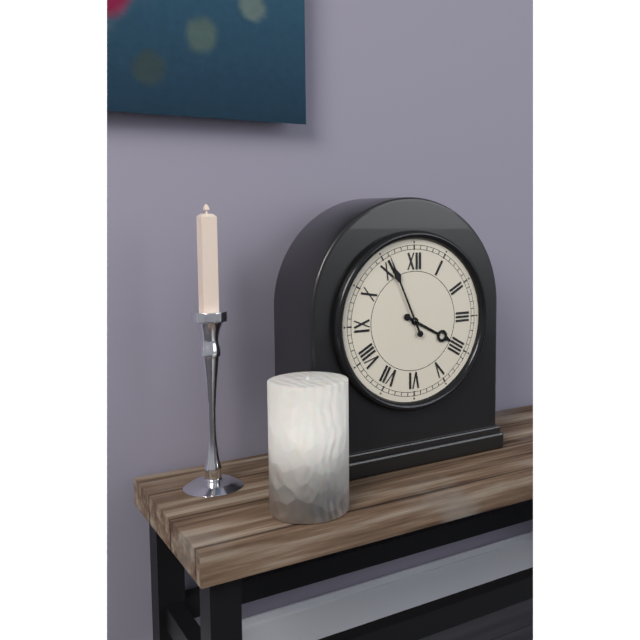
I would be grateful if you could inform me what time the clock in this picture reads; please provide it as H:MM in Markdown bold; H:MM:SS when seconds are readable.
**3:56**
